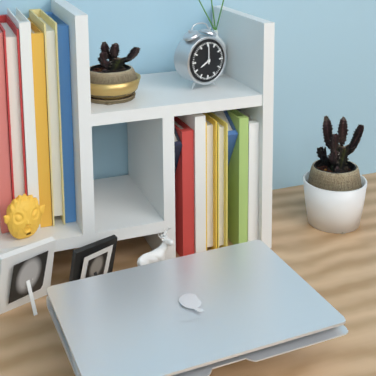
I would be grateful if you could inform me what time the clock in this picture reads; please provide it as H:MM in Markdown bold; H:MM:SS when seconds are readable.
**8:00**
